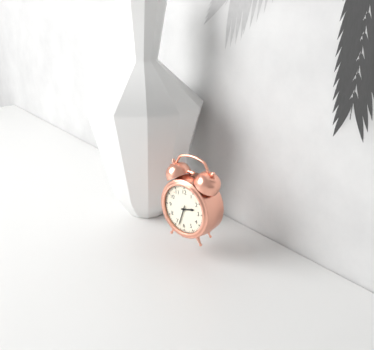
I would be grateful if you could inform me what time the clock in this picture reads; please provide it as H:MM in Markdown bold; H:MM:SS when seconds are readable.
**2:33**
